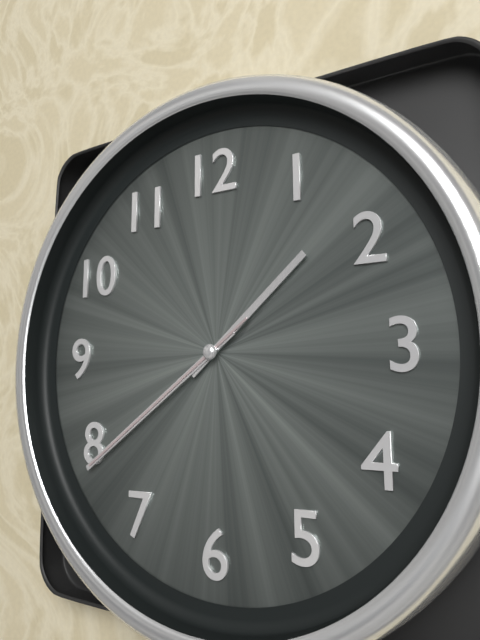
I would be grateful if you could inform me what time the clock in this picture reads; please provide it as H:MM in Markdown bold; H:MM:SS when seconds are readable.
**1:39:39**
